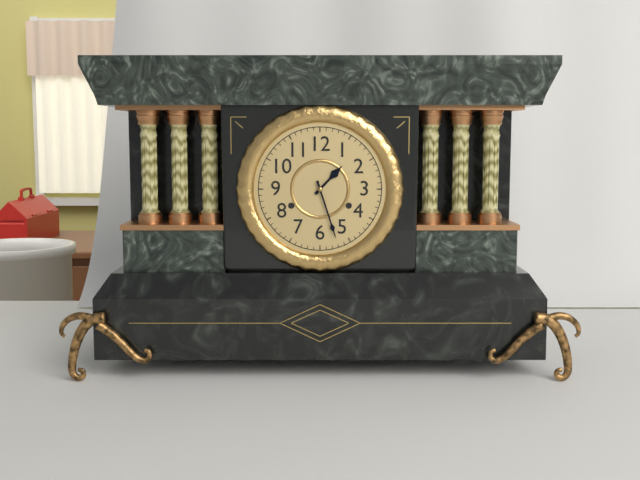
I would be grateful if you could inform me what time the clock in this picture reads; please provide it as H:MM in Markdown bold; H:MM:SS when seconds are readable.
**1:27**
